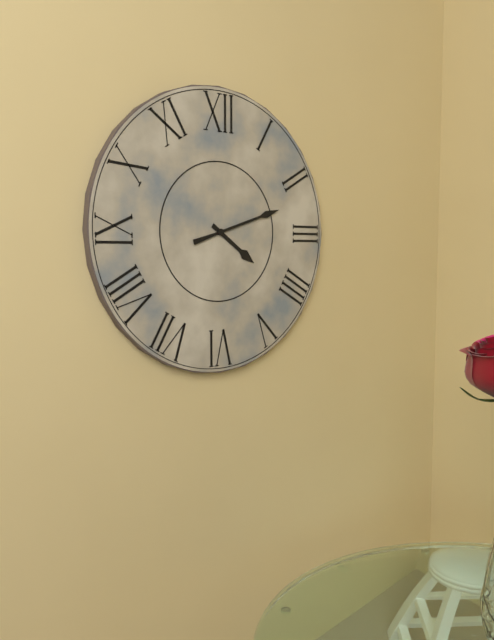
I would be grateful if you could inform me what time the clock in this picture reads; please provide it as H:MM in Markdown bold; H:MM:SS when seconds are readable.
**4:12**
